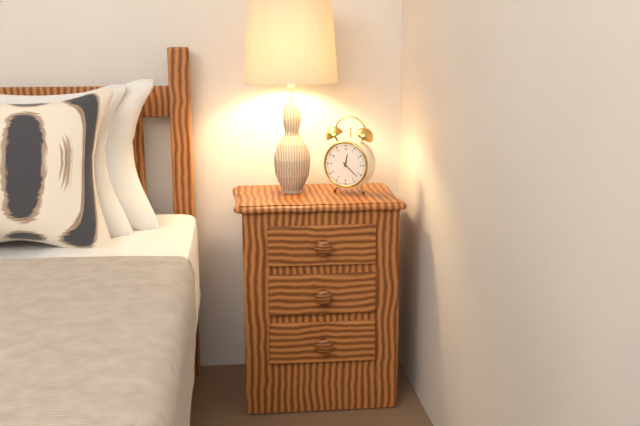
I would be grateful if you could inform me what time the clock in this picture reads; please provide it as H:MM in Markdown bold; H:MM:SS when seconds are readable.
**12:22**
